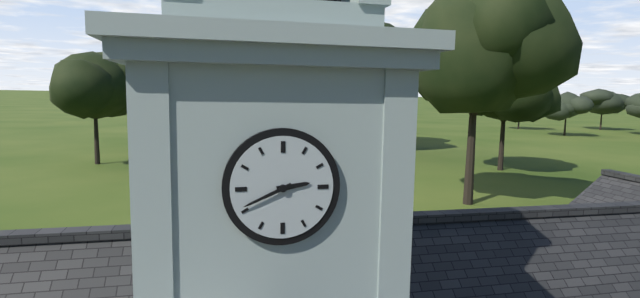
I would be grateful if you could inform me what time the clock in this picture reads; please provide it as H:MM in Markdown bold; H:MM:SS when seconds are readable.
**2:41**
